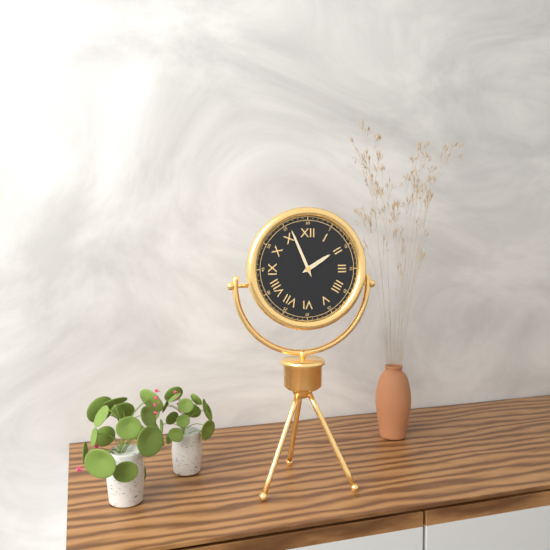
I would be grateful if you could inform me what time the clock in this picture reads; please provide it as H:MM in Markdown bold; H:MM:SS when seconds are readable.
**1:56**
